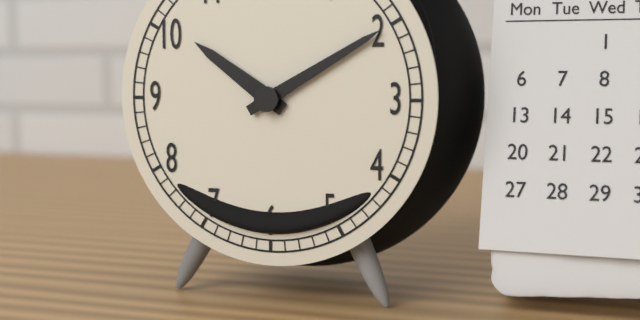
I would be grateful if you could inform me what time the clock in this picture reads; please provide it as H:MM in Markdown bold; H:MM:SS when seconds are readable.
**10:10**
